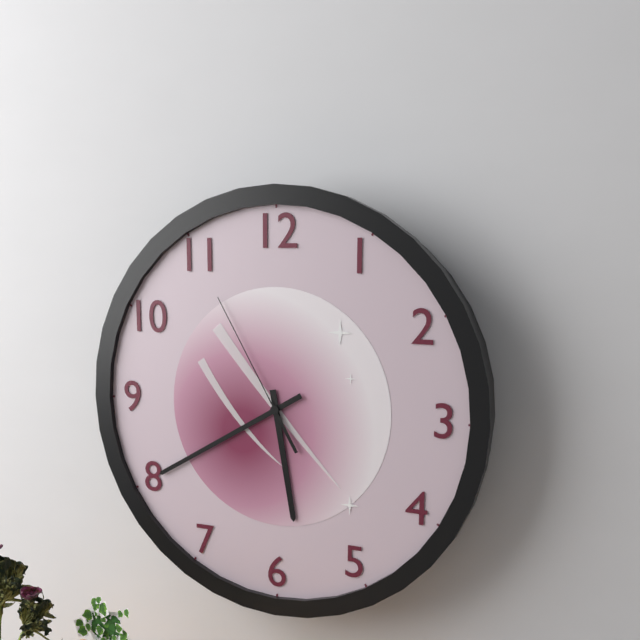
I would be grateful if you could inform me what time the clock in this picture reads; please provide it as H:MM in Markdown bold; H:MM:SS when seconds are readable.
**5:40:55**
